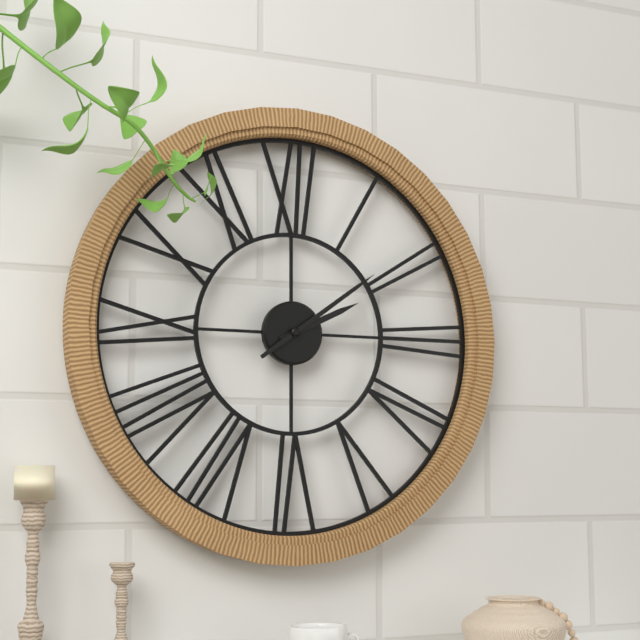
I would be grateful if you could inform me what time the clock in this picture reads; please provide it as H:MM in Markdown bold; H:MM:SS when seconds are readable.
**2:09**
